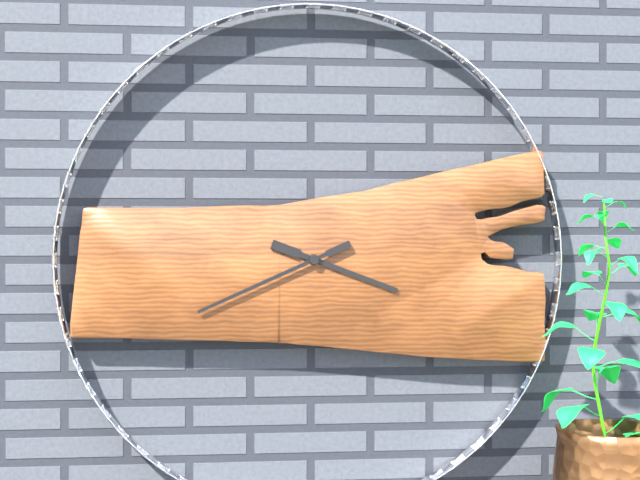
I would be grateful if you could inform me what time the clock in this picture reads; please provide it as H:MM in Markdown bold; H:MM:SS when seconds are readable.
**3:41**
